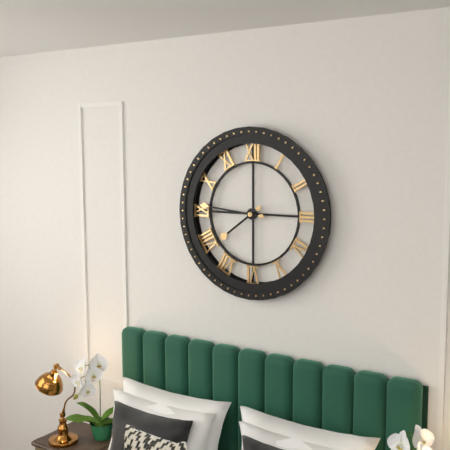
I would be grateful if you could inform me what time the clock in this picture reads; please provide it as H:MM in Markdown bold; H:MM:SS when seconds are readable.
**7:46**
